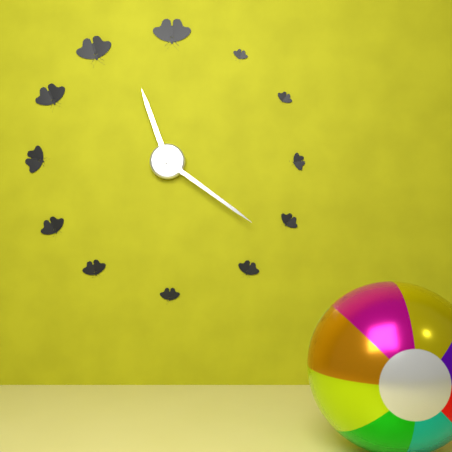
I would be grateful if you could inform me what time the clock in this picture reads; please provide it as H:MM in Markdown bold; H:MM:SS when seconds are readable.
**11:21**
